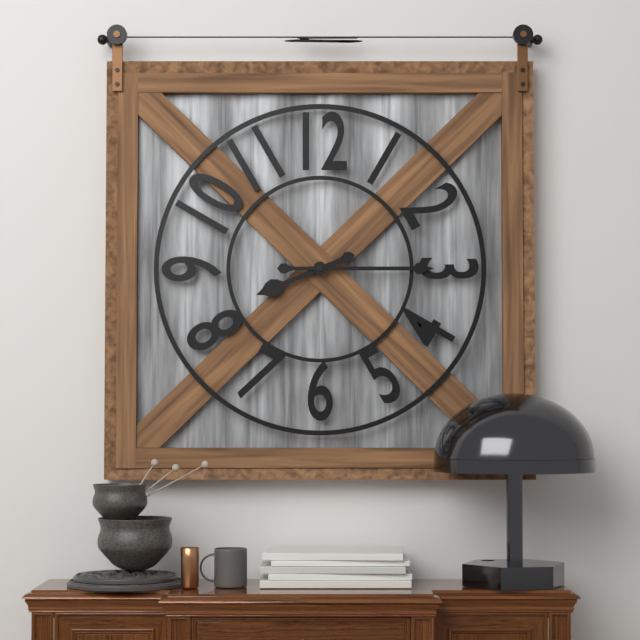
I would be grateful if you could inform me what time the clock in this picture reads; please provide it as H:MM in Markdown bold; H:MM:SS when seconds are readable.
**8:15**
